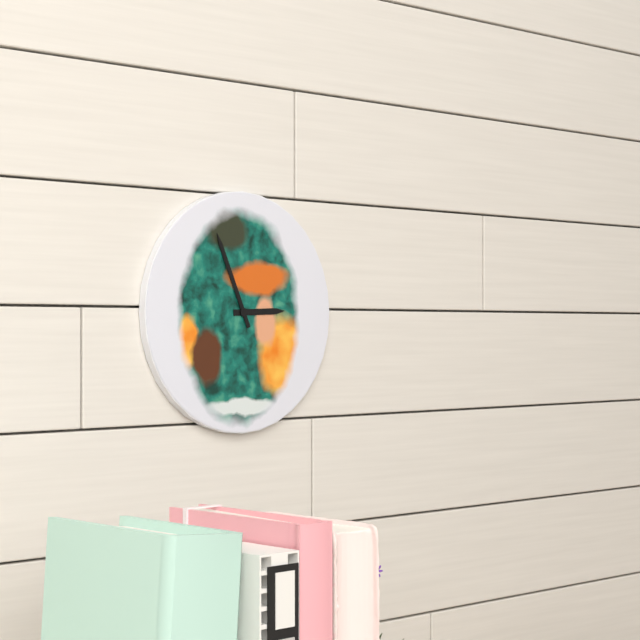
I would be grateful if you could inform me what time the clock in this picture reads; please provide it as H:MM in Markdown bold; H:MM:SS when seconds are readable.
**2:56**
